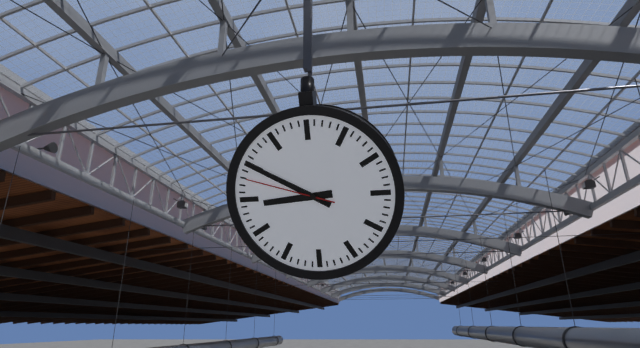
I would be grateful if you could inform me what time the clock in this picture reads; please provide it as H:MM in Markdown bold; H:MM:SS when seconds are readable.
**8:50:48**
